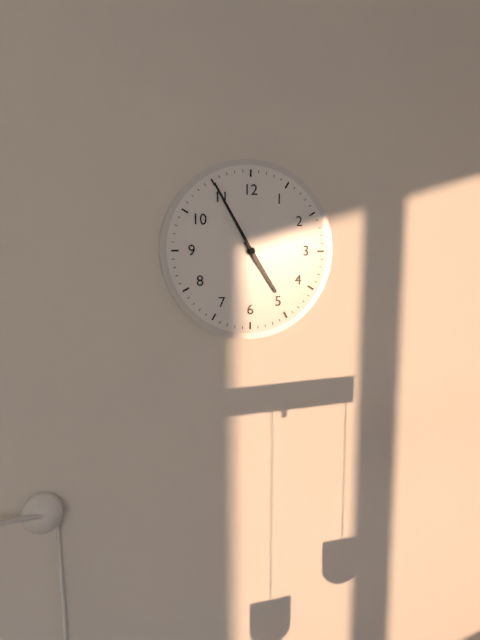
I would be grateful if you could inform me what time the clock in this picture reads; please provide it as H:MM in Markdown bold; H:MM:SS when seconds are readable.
**4:55**
